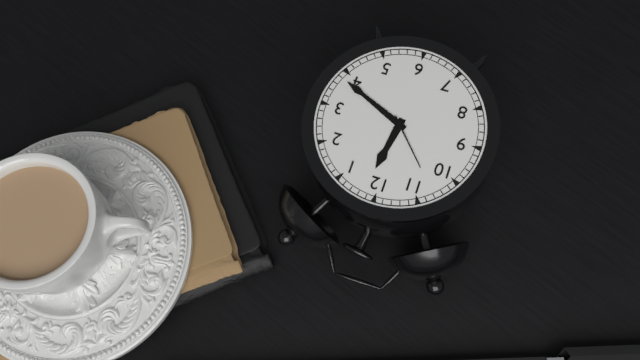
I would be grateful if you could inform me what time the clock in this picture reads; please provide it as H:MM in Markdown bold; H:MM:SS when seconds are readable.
**12:19**
